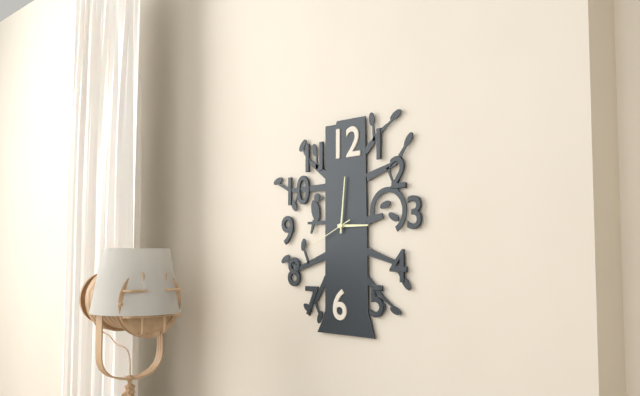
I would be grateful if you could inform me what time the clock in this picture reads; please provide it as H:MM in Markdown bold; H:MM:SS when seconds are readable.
**3:01:41**
